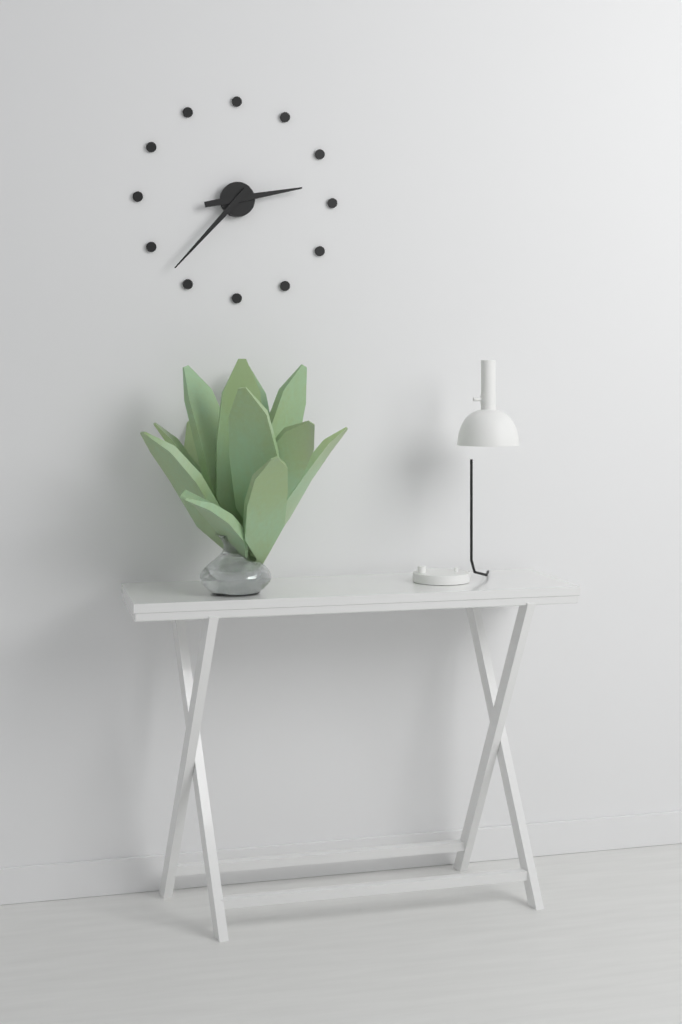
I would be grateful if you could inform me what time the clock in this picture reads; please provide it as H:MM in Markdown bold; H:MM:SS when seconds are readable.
**2:37**
